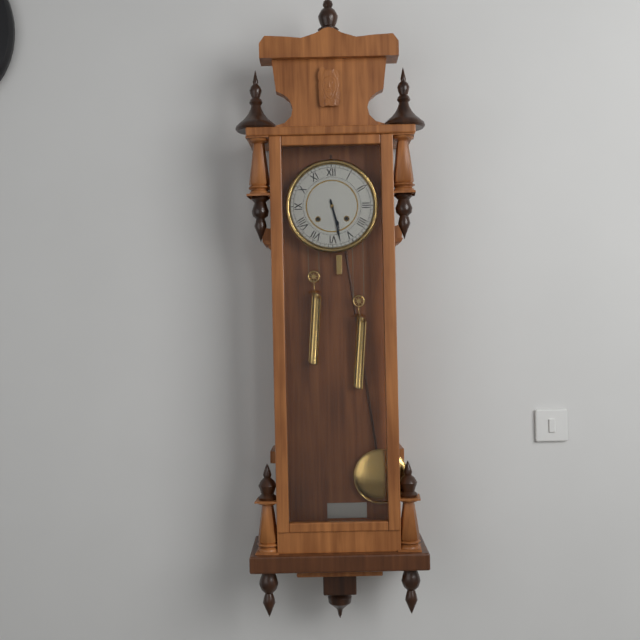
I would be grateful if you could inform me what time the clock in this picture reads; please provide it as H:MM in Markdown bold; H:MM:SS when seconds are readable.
**5:28**
